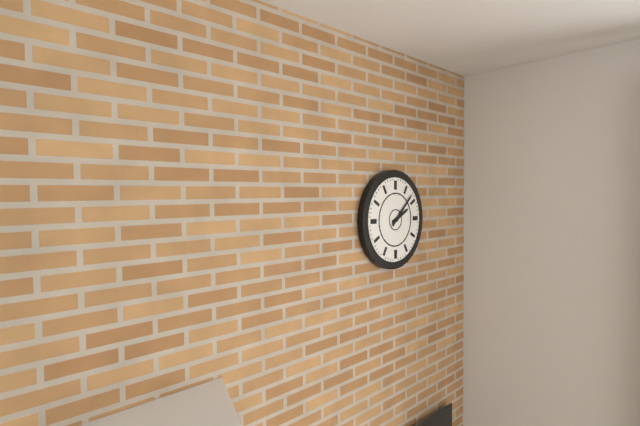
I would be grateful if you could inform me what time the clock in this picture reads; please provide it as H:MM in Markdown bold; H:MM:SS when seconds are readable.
**2:08**
